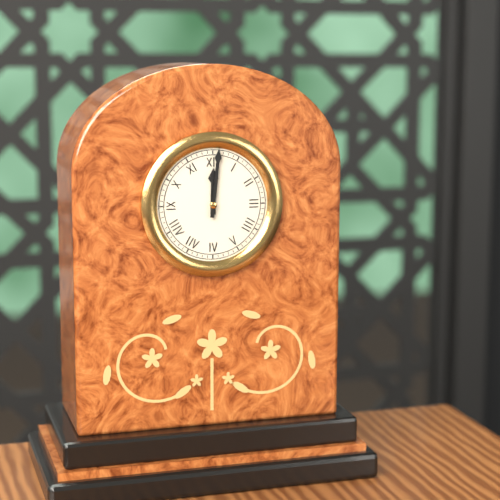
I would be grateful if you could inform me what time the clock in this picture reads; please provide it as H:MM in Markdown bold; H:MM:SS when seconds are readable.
**12:01**
